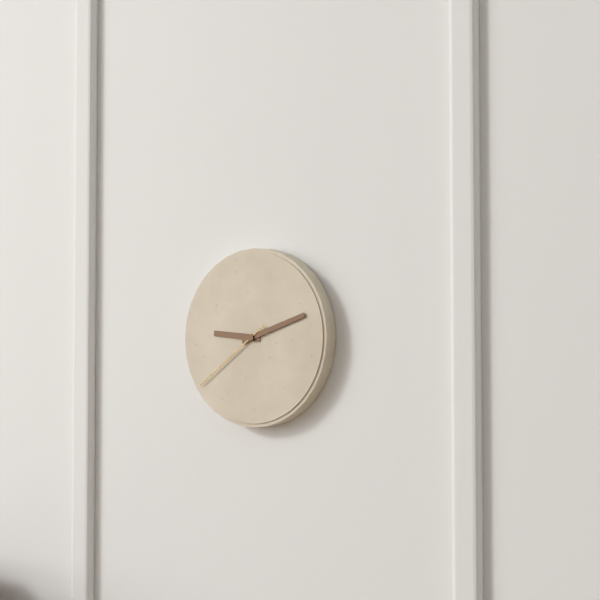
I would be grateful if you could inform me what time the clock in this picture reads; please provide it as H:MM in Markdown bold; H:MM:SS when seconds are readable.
**9:12:39**
